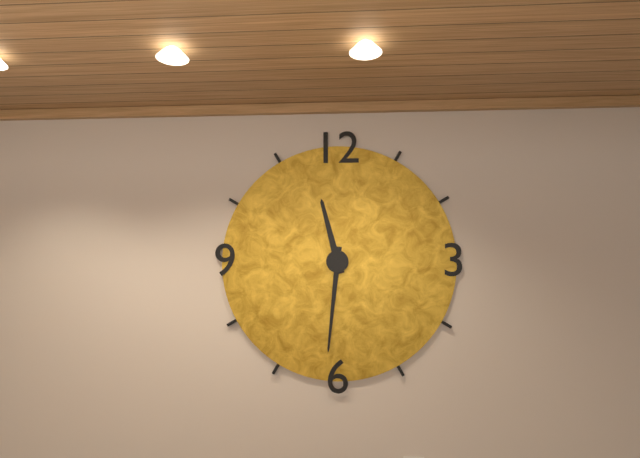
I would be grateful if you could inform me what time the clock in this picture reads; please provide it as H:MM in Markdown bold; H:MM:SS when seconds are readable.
**11:31**
